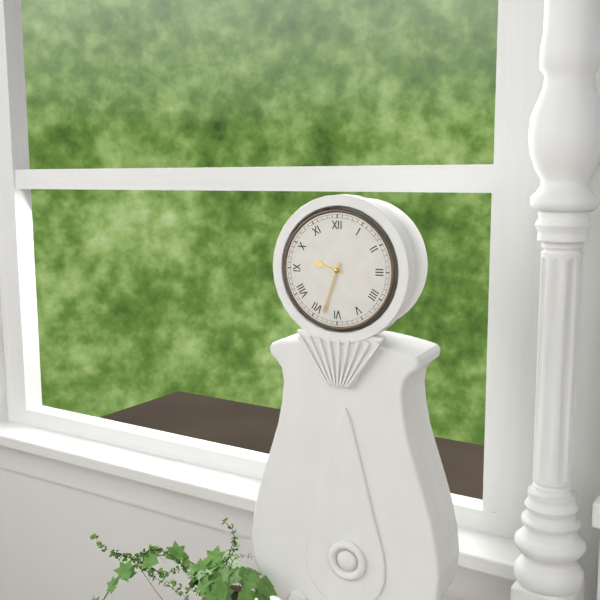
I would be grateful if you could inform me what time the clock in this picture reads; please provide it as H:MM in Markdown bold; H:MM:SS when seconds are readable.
**9:33**
